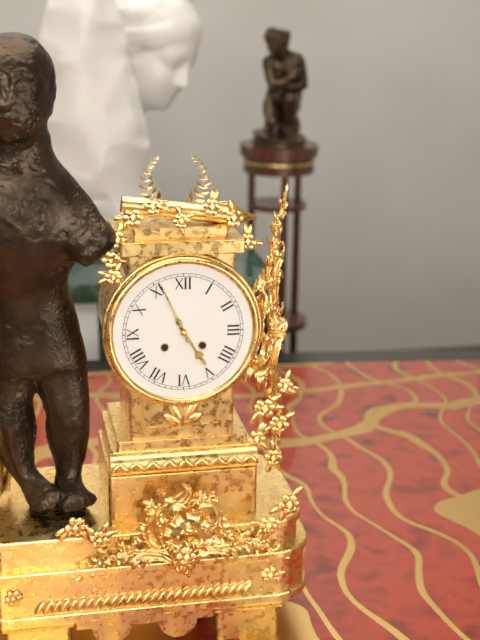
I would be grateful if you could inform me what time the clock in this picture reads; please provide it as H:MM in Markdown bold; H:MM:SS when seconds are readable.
**4:56**
